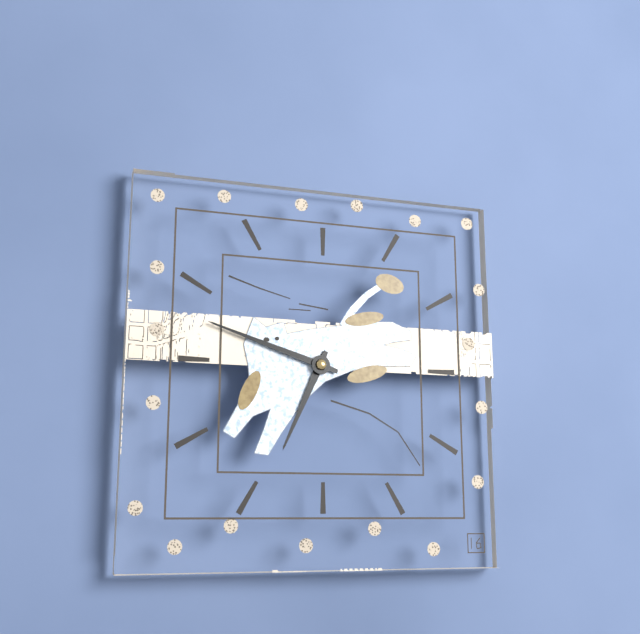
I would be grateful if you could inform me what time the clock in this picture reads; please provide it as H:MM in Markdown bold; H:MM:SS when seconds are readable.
**6:48**
